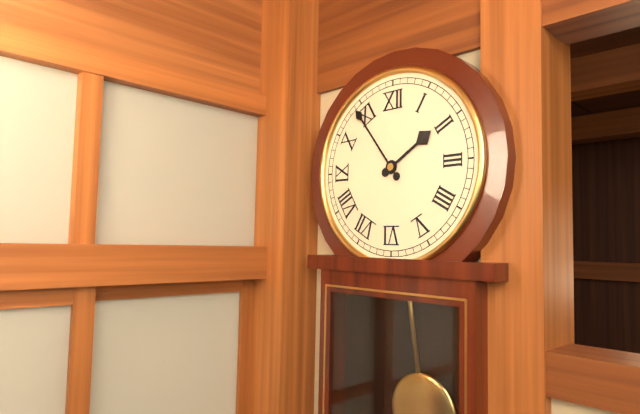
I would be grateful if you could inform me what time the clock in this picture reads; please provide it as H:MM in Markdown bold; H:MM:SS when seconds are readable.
**1:54**
